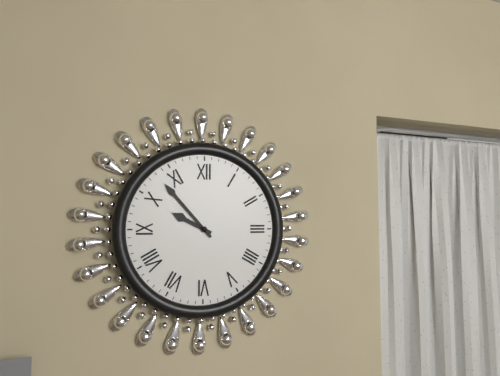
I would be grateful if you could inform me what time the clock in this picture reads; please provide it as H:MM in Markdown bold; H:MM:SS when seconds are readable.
**9:53**
